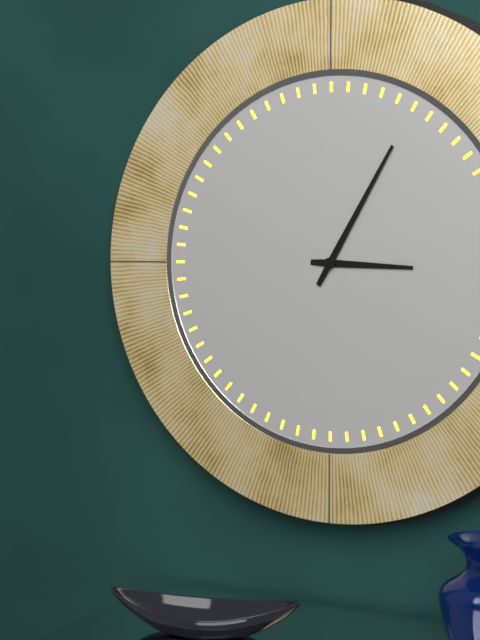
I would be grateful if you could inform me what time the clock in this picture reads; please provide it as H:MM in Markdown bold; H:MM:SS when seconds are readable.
**3:05**
